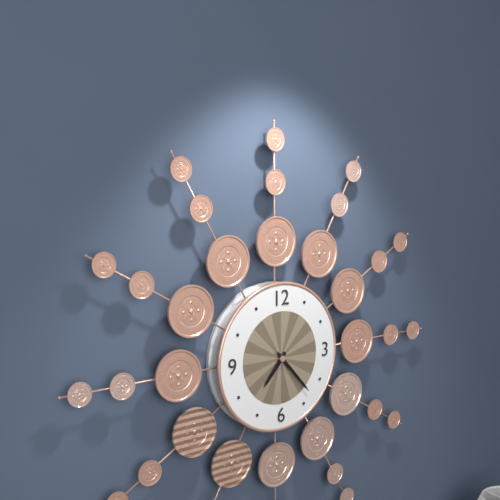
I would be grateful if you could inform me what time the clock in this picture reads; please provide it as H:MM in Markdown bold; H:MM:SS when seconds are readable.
**7:23**
